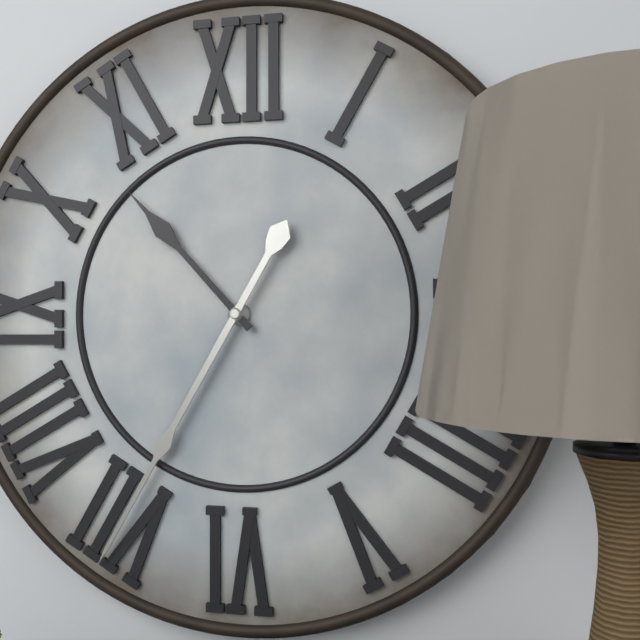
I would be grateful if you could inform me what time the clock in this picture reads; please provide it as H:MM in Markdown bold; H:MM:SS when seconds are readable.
**10:35**
